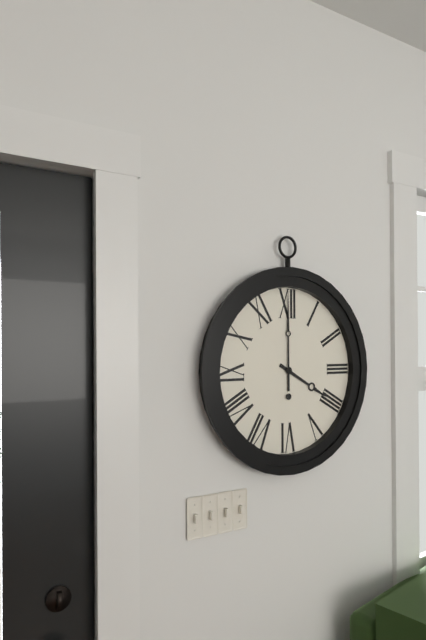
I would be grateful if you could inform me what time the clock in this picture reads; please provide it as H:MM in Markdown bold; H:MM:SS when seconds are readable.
**4:00**
